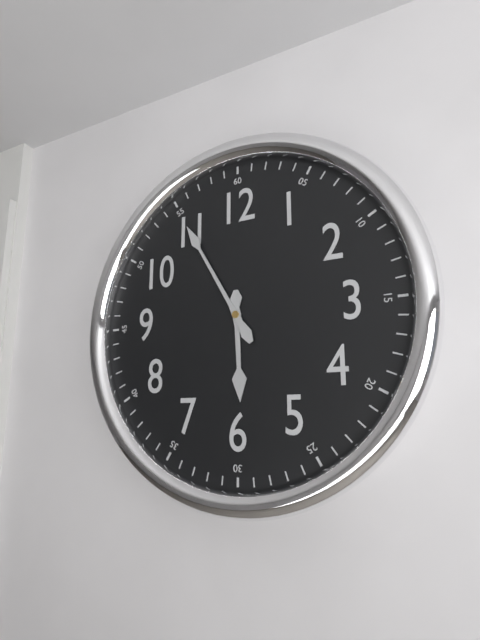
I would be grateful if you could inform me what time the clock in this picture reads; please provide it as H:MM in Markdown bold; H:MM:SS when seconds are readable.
**5:55**
